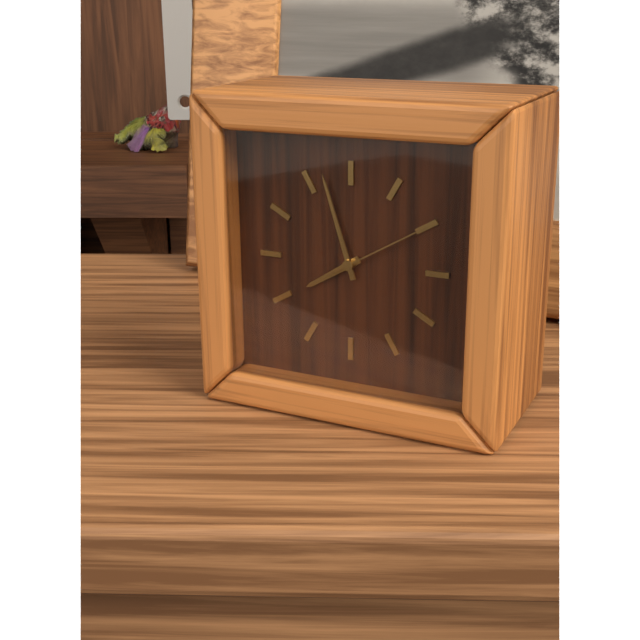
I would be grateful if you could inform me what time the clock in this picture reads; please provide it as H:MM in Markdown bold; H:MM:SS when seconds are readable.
**7:57:10**
